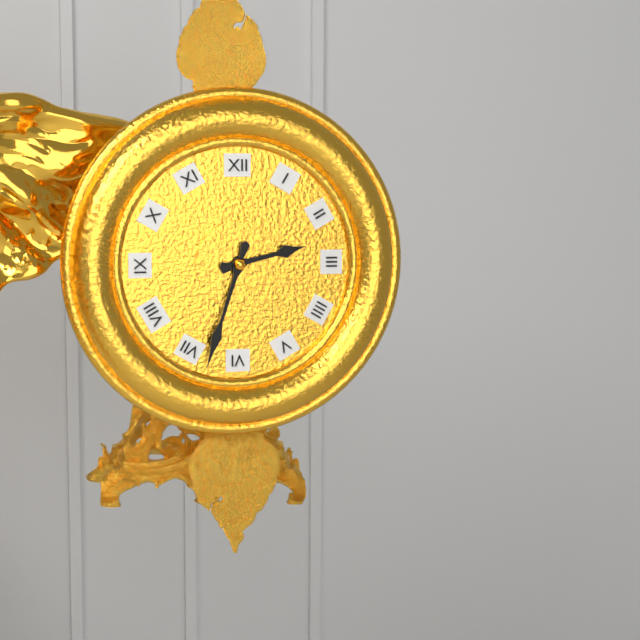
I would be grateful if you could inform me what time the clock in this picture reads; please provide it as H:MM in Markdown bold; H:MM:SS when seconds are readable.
**2:33**
